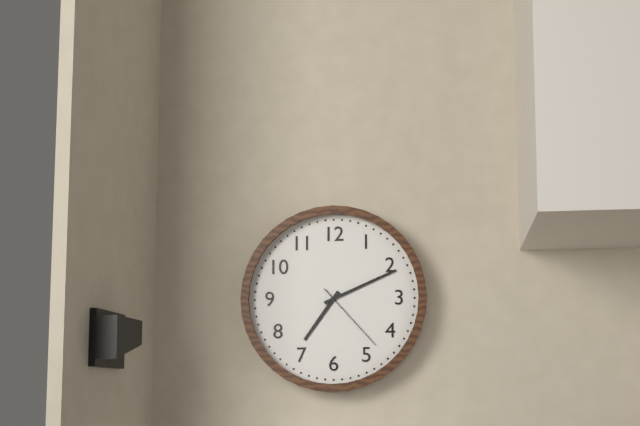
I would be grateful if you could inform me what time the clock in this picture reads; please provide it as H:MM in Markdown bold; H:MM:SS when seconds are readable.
**7:11:23**
